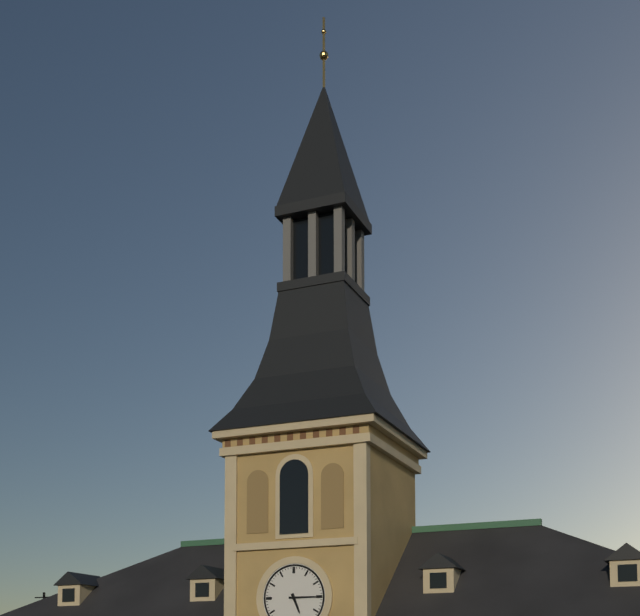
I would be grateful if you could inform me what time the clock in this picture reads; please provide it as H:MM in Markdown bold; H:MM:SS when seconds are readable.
**5:15**
